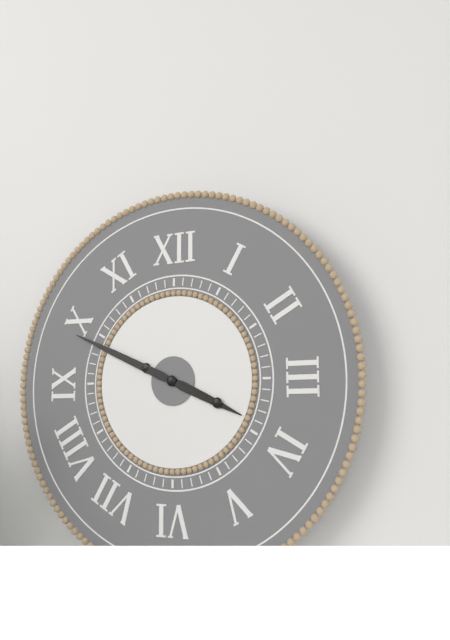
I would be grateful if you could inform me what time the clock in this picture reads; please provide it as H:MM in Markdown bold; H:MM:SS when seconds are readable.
**3:49**
